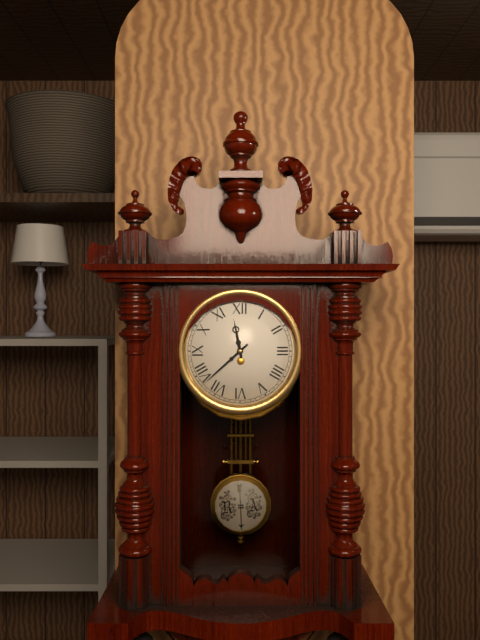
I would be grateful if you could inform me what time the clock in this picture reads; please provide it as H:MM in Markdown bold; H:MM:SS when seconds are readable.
**11:38**
